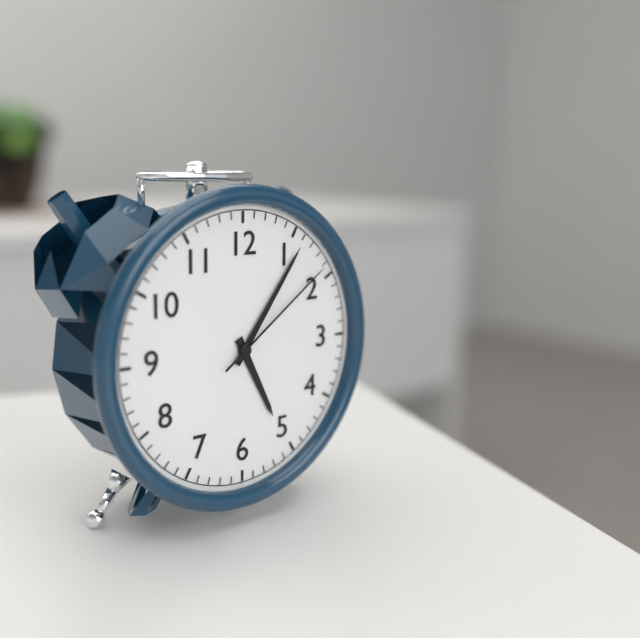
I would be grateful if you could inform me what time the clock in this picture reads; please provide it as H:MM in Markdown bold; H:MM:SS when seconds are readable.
**5:06:09**
